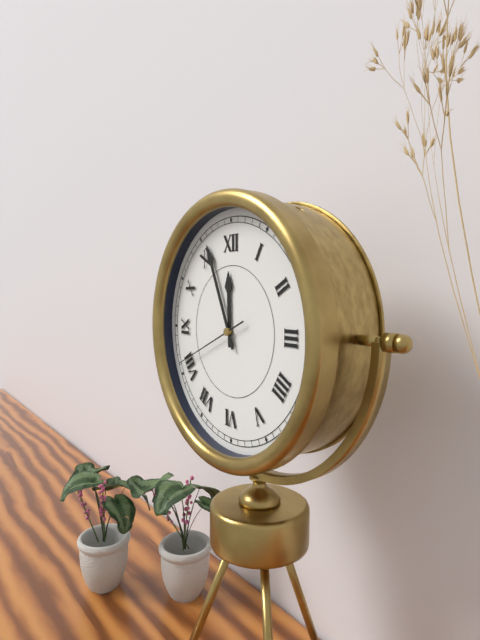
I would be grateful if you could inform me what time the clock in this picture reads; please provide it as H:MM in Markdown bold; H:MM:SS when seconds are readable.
**11:56:41**
